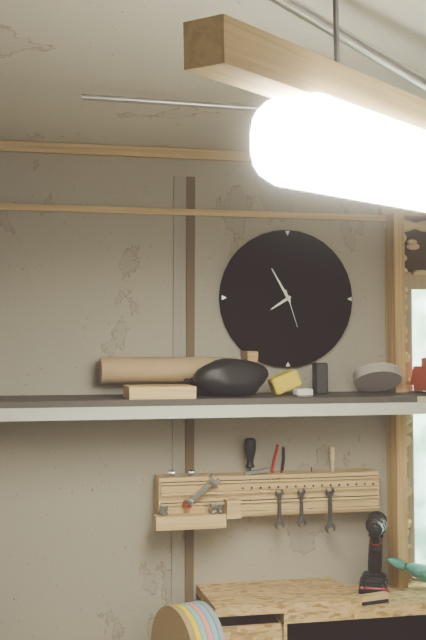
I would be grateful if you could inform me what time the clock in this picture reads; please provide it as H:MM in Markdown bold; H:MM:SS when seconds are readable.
**7:55**
